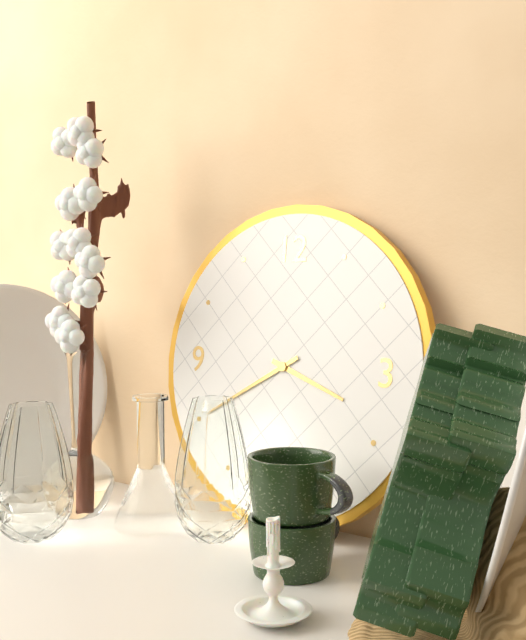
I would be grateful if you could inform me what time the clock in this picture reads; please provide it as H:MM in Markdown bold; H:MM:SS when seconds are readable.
**3:40**
